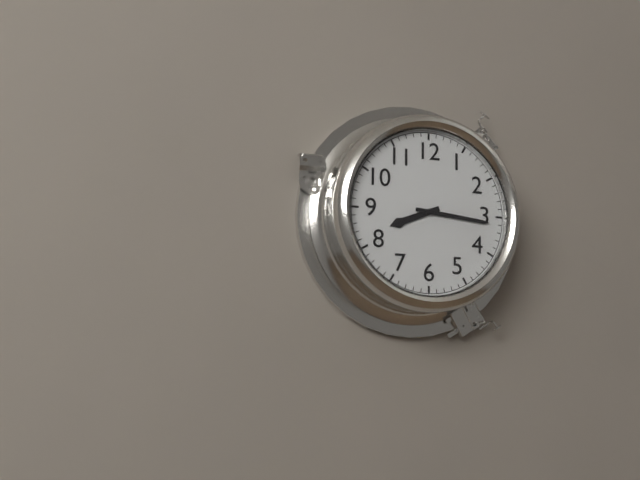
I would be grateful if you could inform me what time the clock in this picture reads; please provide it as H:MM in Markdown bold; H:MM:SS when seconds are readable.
**8:16**
